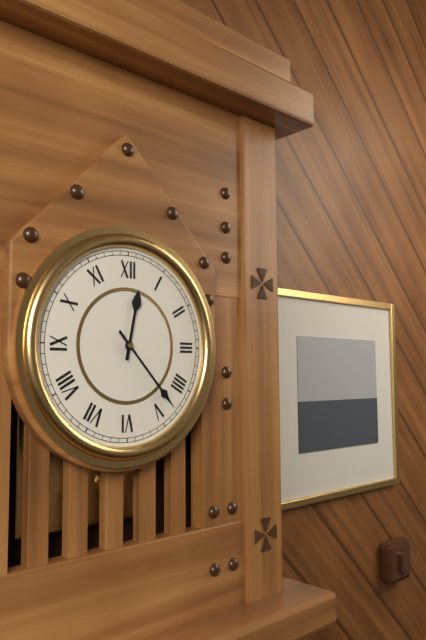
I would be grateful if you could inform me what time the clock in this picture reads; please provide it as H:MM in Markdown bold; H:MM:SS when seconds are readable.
**12:23**
